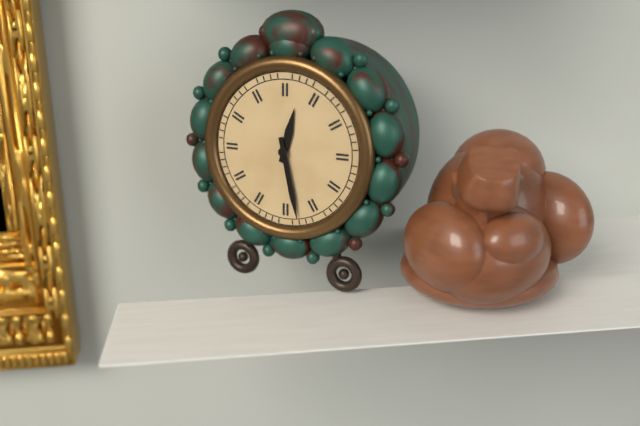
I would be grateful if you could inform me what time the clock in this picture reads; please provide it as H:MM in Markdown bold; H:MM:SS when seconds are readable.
**12:28**
